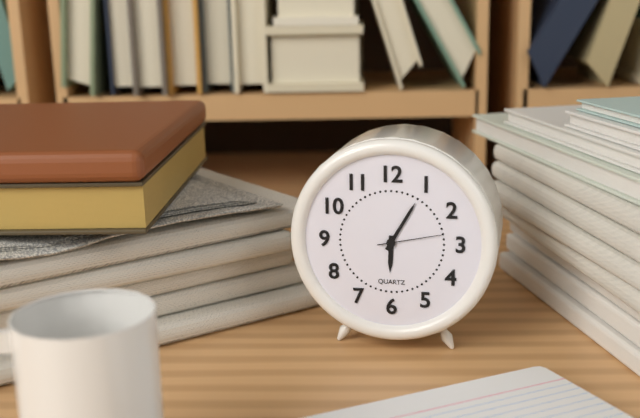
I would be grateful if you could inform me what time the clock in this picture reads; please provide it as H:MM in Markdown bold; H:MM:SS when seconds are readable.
**6:05:13**
